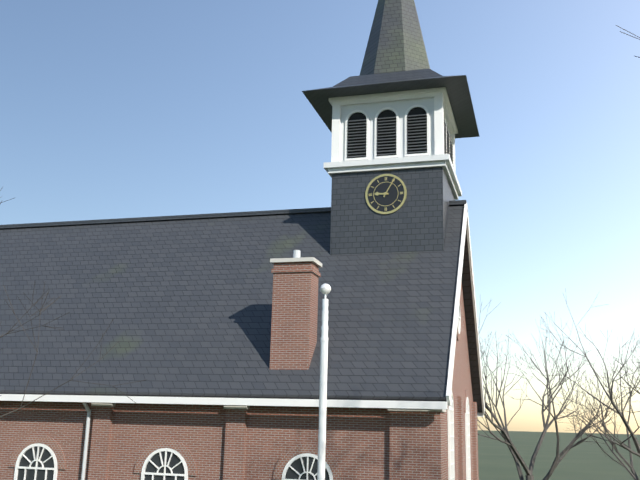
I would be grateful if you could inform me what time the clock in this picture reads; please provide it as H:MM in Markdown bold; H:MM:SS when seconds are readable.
**9:05**
